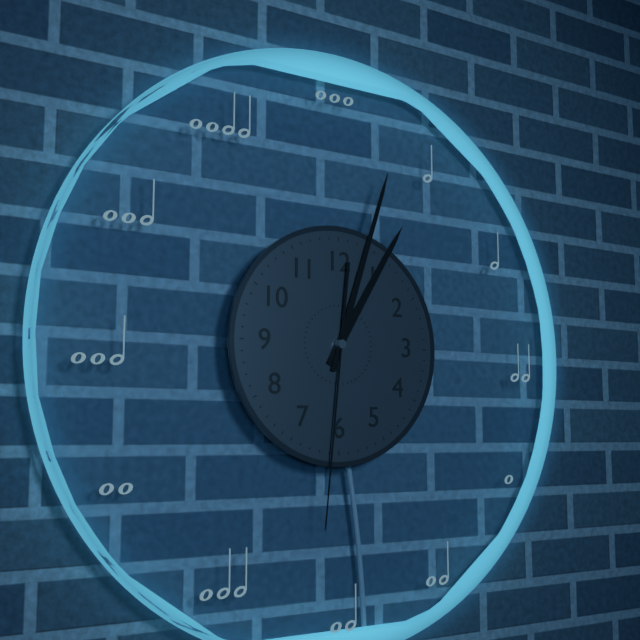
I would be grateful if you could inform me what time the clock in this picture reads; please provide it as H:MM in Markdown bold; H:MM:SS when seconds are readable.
**1:03:31**
